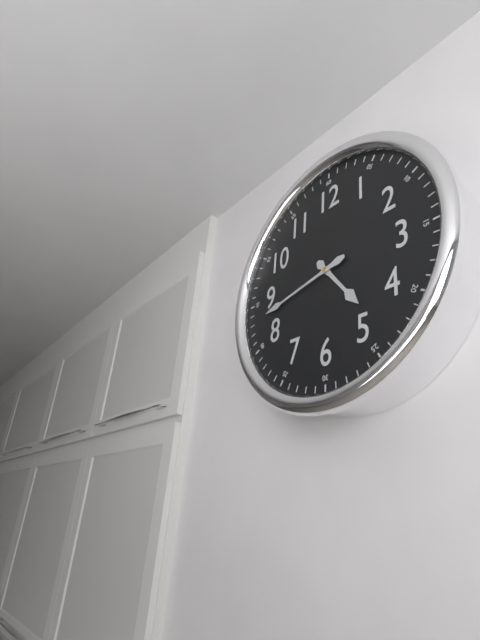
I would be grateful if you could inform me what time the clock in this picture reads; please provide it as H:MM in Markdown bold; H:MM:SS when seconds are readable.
**4:43**
